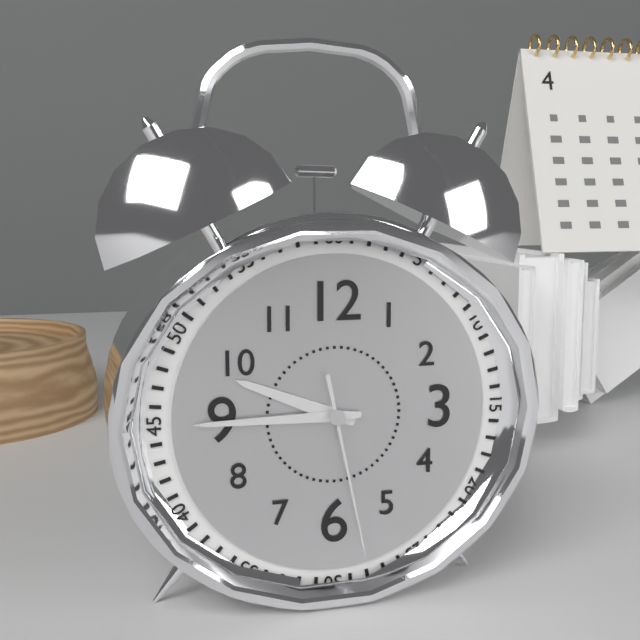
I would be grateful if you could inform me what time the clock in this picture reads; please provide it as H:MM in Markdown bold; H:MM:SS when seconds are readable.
**9:45:28**
